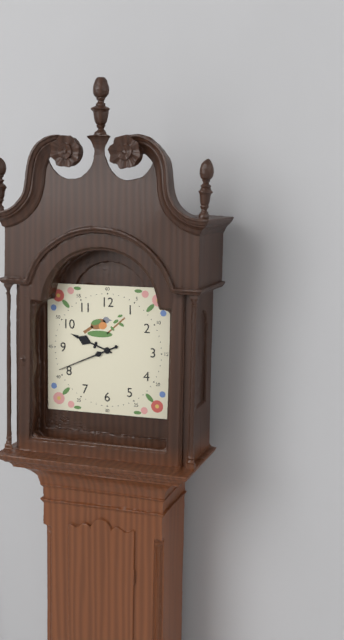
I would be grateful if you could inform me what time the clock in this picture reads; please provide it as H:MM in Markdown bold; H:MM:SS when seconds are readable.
**9:41**
